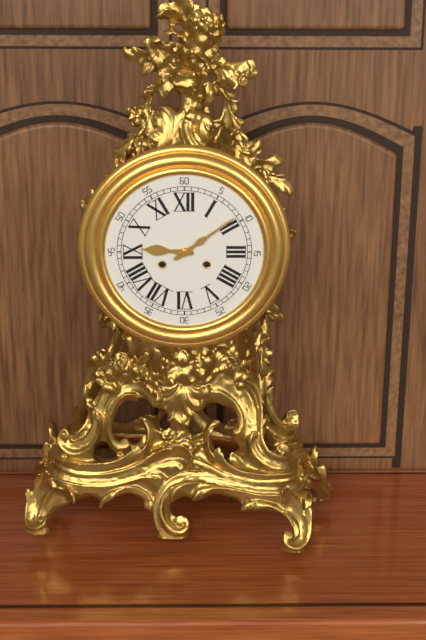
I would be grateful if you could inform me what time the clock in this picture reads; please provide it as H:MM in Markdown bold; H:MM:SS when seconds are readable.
**9:09**
